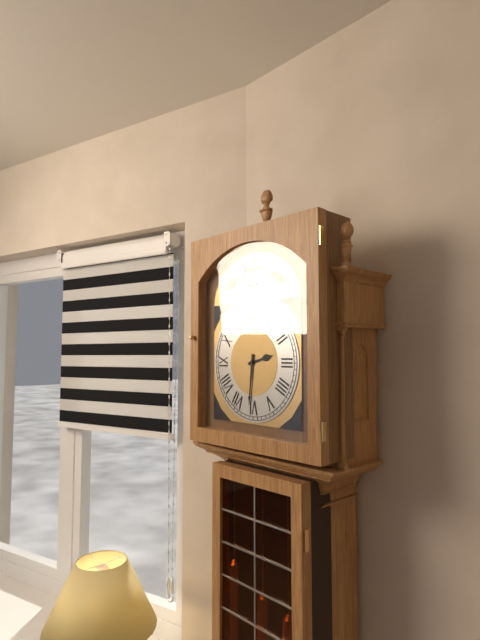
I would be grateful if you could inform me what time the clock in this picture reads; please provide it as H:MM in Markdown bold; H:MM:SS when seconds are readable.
**2:31**
